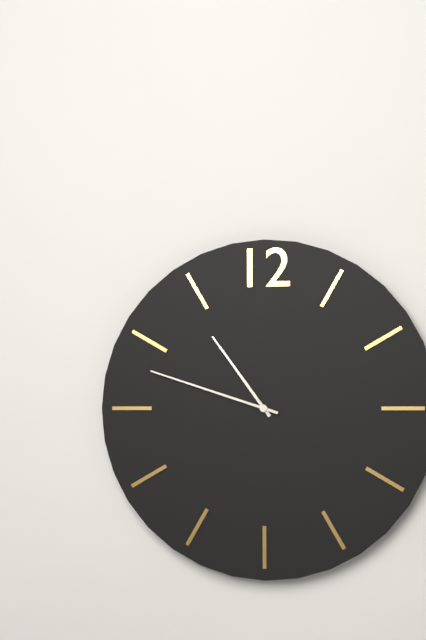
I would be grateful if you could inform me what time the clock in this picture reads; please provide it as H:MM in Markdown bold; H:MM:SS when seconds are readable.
**10:48**
